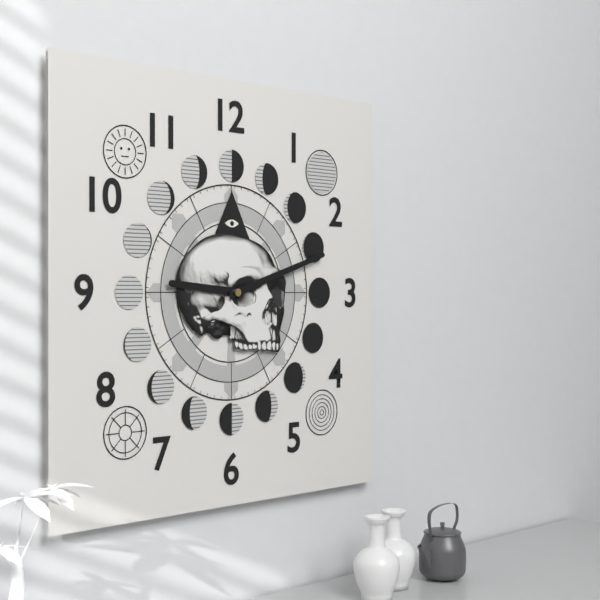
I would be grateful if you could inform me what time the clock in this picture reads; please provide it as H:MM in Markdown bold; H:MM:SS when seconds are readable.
**9:12**
